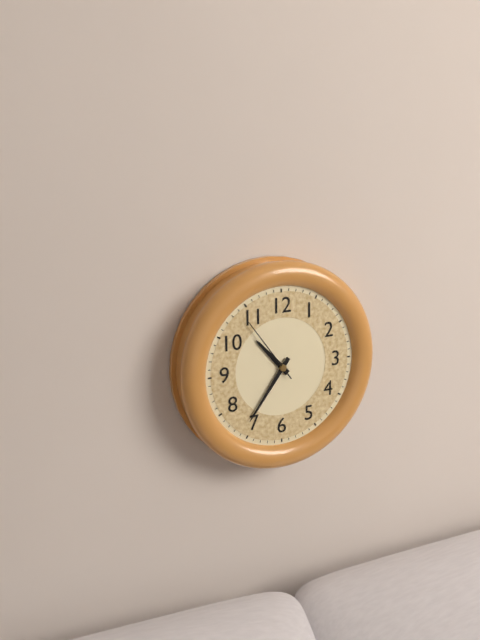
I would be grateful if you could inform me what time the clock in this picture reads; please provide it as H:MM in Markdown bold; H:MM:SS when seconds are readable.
**10:36:54**
